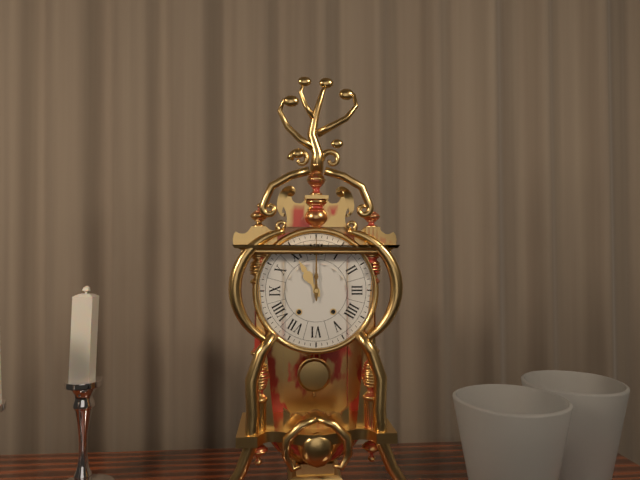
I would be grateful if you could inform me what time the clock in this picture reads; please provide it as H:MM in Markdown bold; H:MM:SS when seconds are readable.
**11:00**
